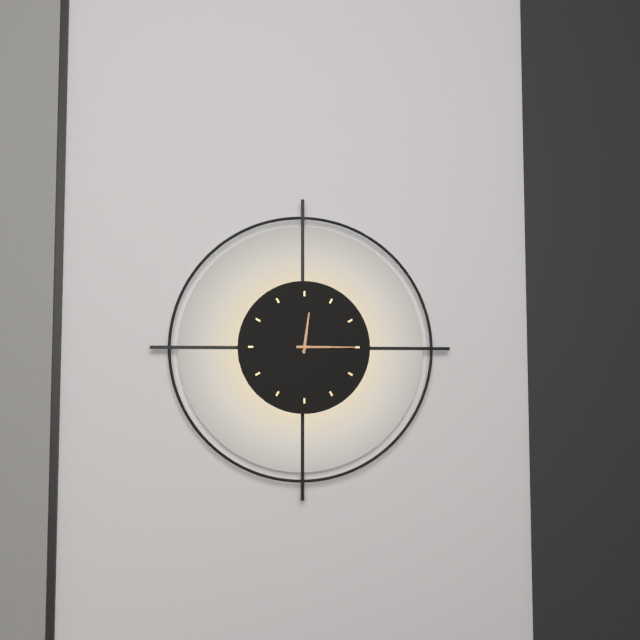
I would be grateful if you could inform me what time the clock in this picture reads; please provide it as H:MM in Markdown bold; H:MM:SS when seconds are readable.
**12:15**
